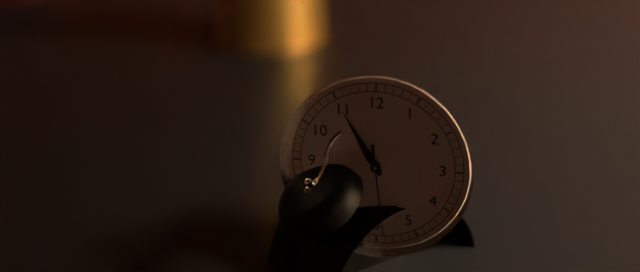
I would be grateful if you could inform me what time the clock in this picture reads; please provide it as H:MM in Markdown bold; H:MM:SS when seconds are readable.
**10:55:29**
